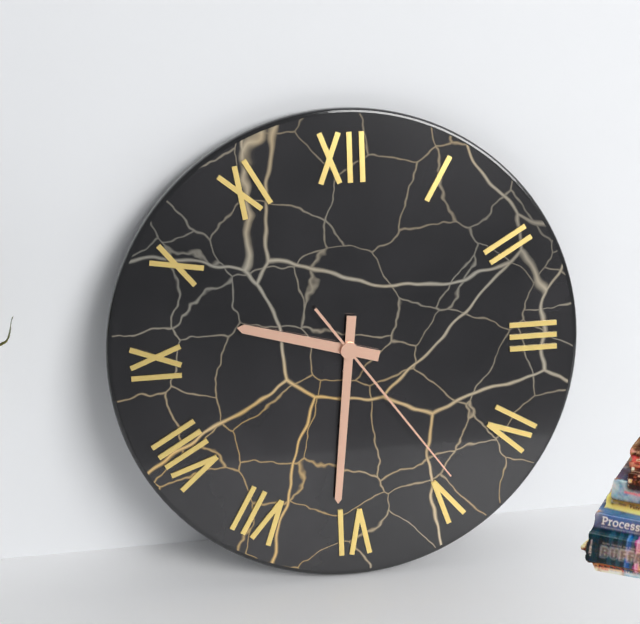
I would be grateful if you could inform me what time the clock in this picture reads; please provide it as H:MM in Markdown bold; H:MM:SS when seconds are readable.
**9:31:24**
